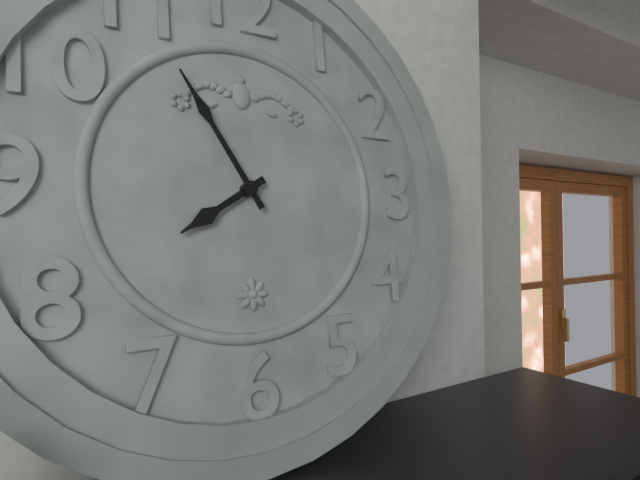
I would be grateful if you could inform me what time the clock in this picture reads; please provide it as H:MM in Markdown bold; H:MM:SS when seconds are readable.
**7:55**
